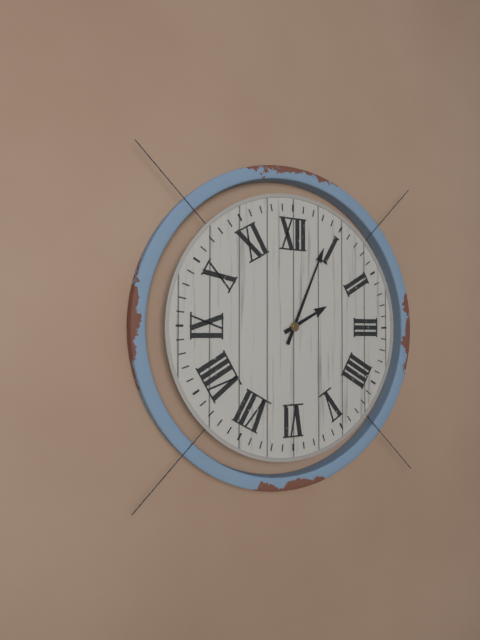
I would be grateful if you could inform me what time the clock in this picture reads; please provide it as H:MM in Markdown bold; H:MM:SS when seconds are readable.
**2:04**
